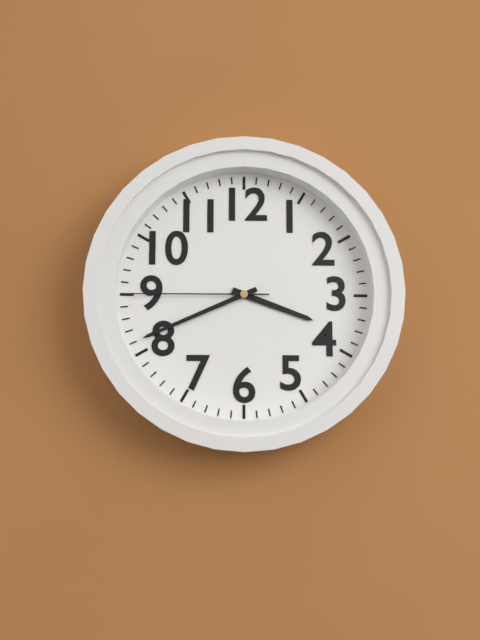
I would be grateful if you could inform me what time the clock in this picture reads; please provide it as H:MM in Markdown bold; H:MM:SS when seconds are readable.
**3:41:45**
